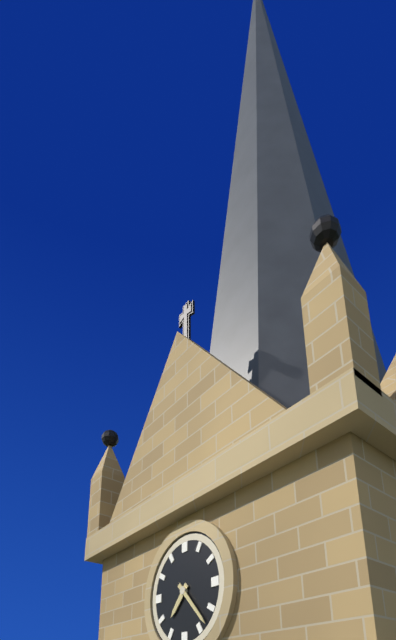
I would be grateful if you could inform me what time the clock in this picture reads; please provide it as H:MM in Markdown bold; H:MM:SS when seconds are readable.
**7:23**
